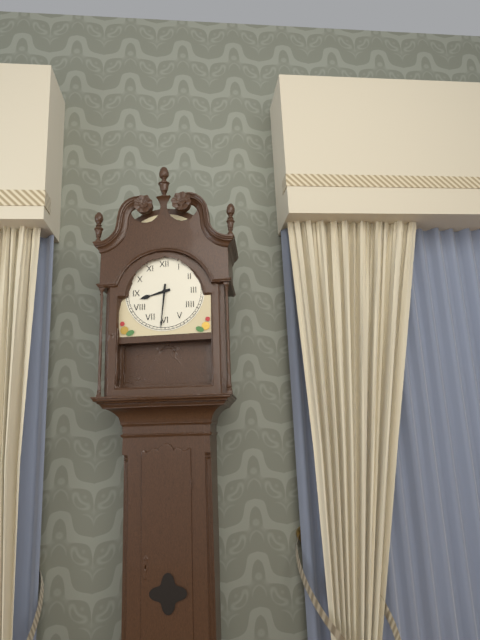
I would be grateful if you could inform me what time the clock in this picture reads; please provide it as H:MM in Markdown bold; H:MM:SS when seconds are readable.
**8:31**
